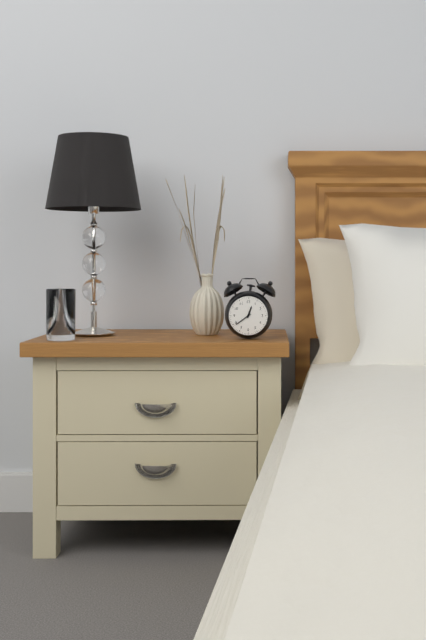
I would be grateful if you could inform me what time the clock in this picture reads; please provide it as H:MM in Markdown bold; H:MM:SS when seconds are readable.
**12:39**
